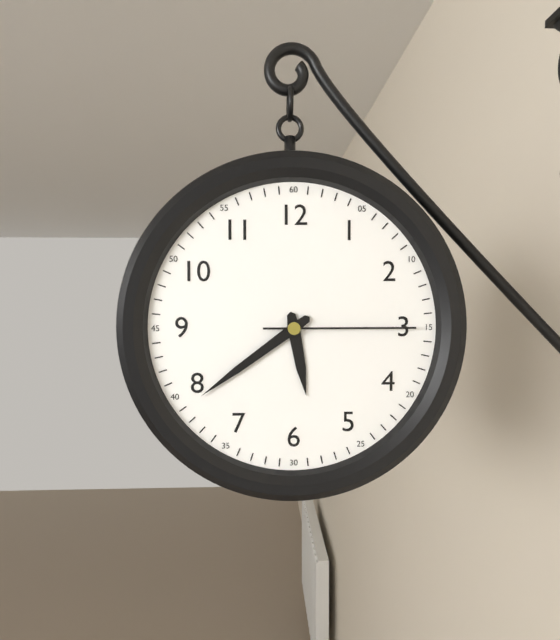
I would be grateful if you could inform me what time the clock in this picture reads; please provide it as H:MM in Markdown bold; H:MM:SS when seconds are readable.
**5:39:15**
